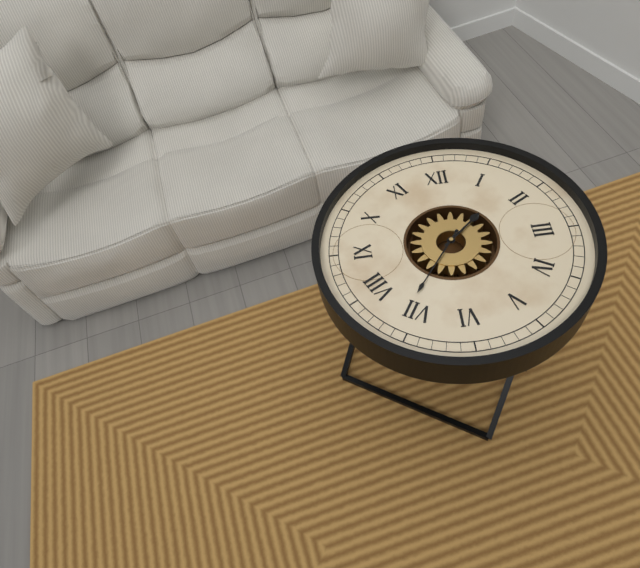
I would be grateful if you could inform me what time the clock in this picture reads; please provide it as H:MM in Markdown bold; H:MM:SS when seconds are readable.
**1:36**
